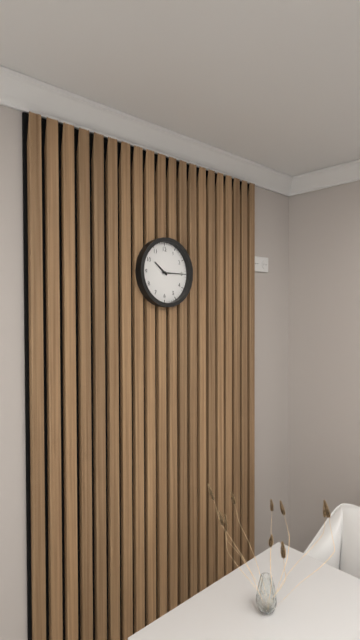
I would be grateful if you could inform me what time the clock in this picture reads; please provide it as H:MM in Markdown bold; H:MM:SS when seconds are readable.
**10:15**
